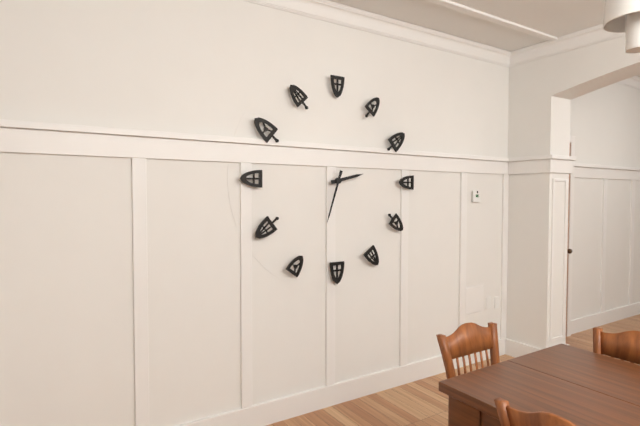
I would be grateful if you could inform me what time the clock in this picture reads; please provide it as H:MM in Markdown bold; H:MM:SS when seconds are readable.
**2:33**
